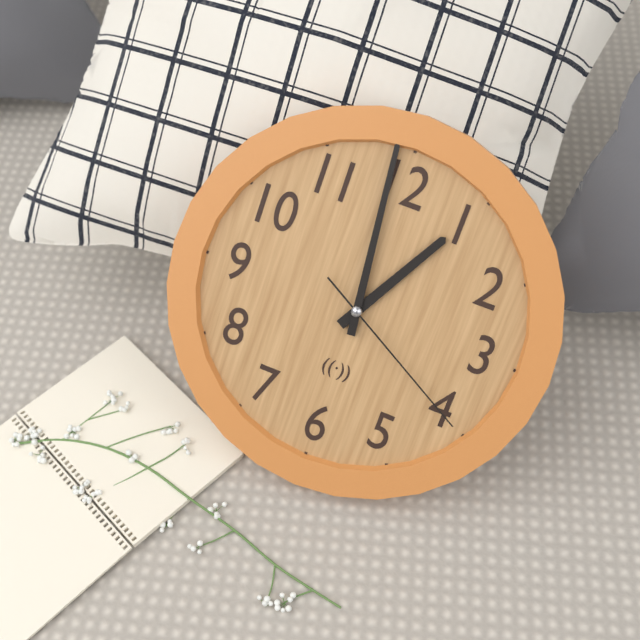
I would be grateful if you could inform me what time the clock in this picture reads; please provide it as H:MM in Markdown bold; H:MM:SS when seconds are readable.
**12:59:20**
